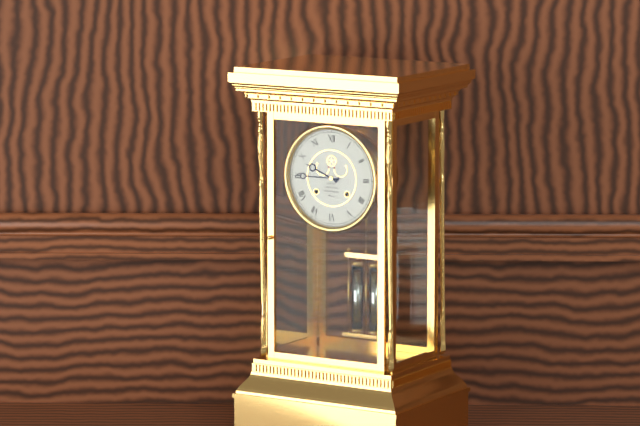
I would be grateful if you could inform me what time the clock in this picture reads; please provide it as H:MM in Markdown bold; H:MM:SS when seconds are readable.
**9:45**
